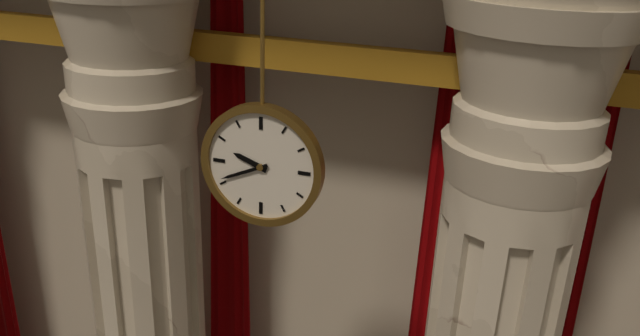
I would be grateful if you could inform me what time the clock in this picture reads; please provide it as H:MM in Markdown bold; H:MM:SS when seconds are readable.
**9:41**
